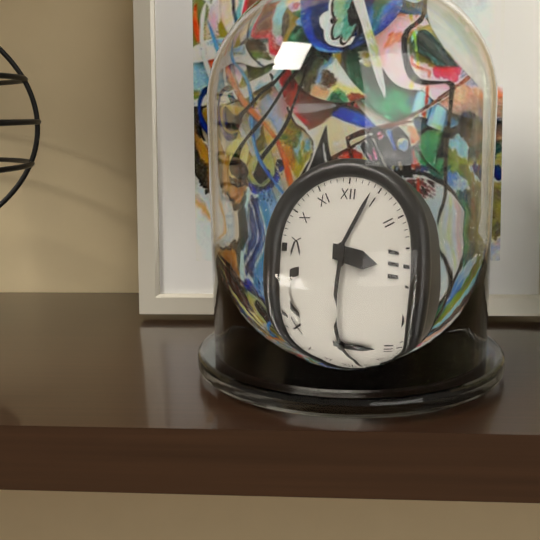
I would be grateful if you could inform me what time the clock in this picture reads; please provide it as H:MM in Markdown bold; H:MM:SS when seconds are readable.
**3:04**
